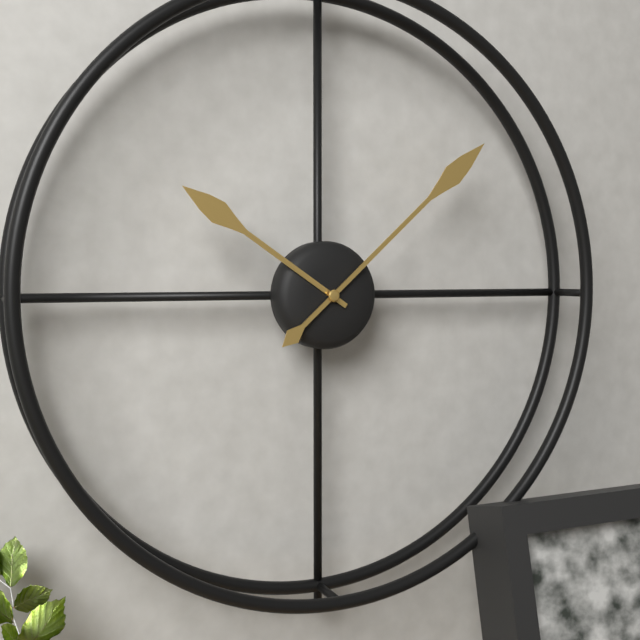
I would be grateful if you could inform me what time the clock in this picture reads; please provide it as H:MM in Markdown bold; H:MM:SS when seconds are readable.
**10:08**
